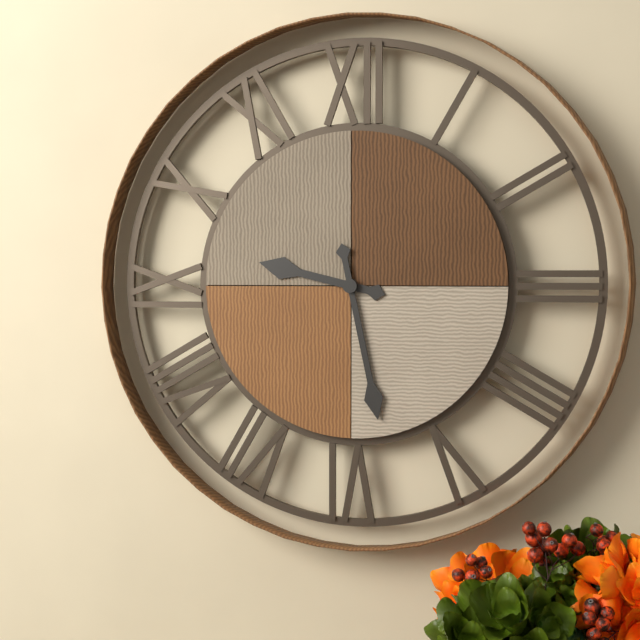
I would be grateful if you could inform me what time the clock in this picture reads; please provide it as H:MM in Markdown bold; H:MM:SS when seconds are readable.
**9:28**
